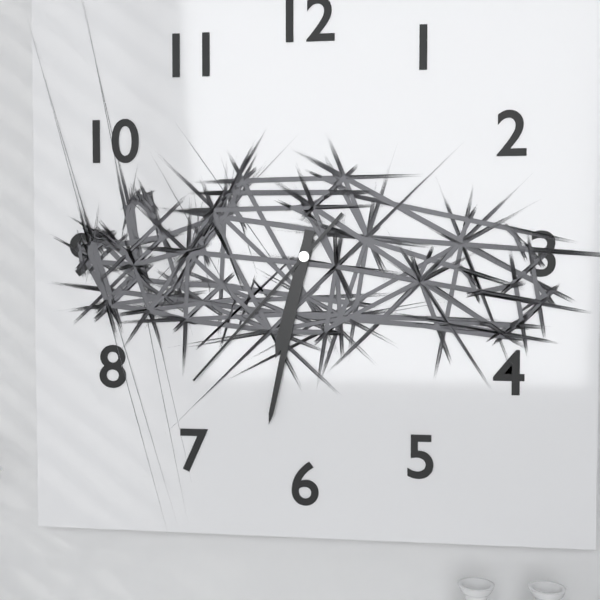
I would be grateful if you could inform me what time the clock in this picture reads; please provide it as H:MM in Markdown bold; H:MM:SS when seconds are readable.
**6:32:37**
